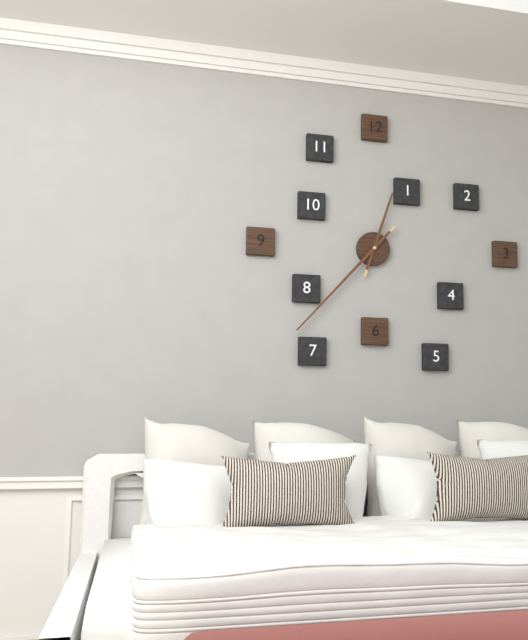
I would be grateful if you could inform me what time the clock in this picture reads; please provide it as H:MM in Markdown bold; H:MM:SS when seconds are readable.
**12:37**
